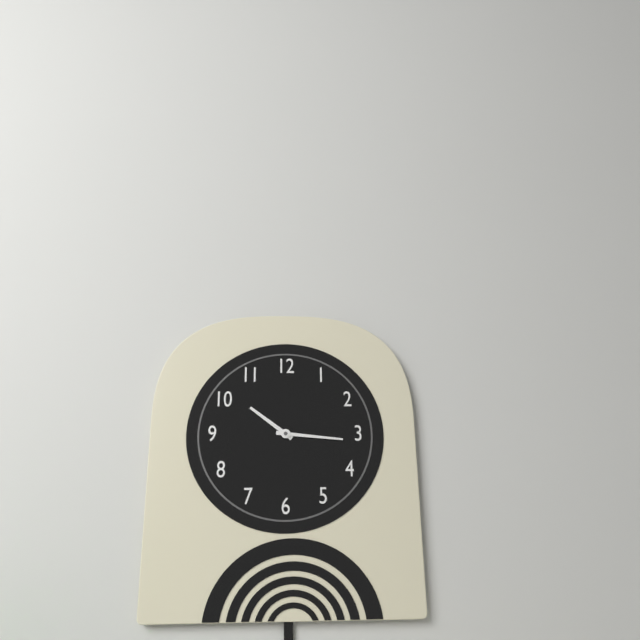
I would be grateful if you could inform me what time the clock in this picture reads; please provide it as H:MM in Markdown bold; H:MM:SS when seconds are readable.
**10:16**
